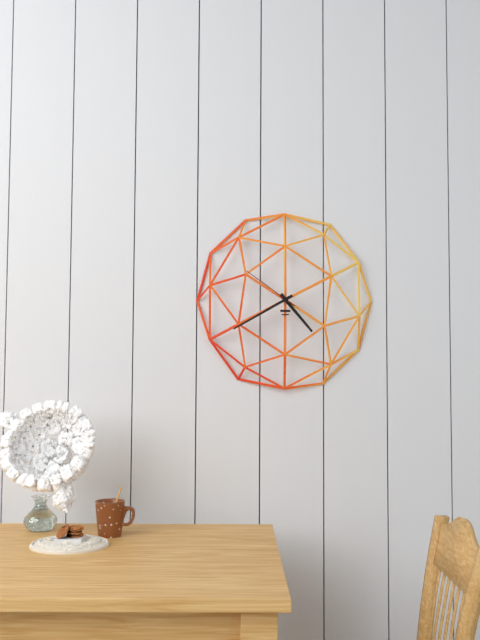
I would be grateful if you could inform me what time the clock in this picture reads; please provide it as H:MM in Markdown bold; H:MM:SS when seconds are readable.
**4:40:51**
